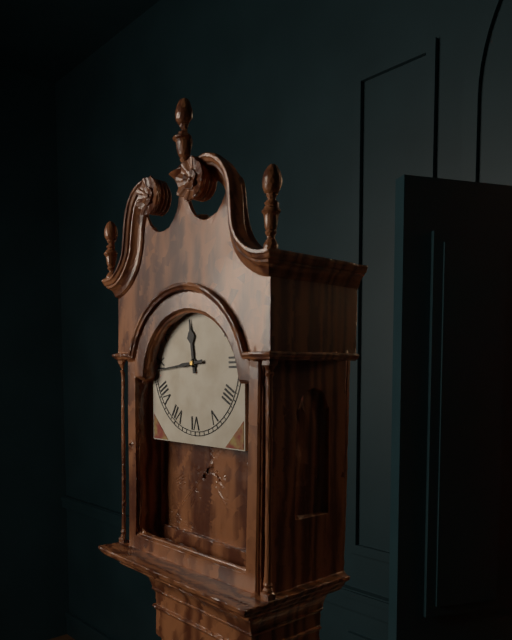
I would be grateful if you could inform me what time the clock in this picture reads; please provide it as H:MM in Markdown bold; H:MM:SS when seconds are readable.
**11:44**
